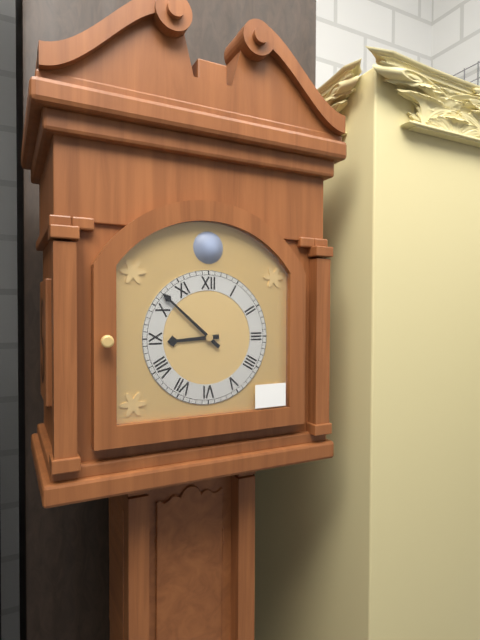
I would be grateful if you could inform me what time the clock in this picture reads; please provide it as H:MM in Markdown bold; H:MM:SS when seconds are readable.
**8:52**
